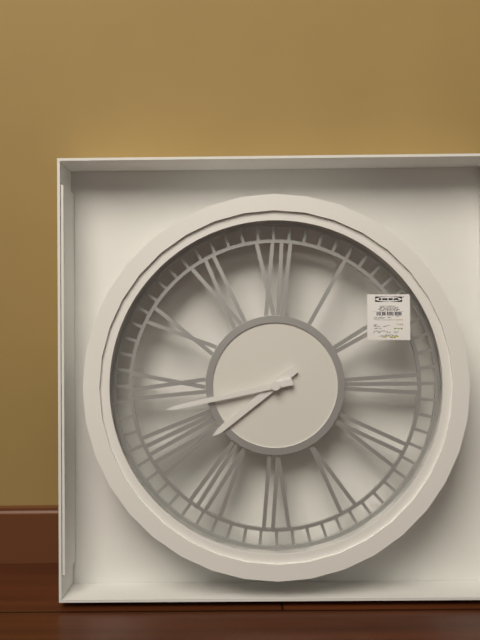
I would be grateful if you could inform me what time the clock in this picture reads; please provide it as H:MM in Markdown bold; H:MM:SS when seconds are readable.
**7:43**
